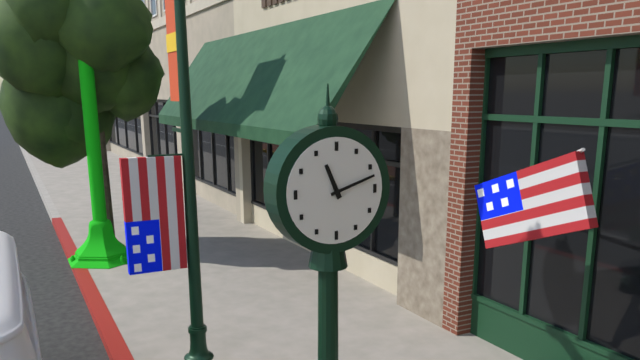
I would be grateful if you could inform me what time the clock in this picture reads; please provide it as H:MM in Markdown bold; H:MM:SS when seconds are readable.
**11:12**
